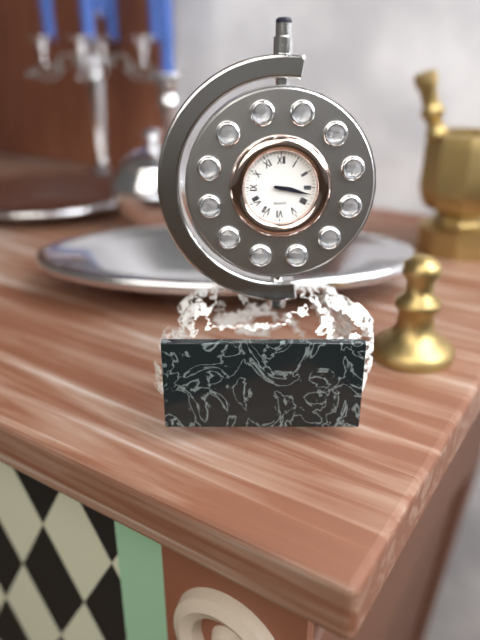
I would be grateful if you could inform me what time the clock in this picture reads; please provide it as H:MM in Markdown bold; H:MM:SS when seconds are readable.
**3:17**
